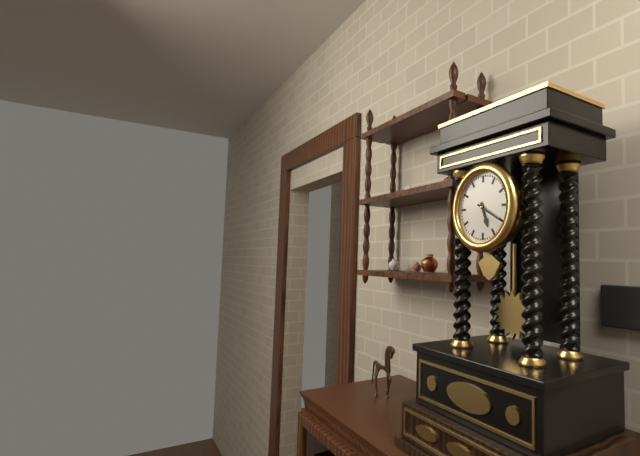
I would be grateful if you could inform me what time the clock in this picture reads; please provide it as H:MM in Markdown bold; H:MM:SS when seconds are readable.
**5:20**
